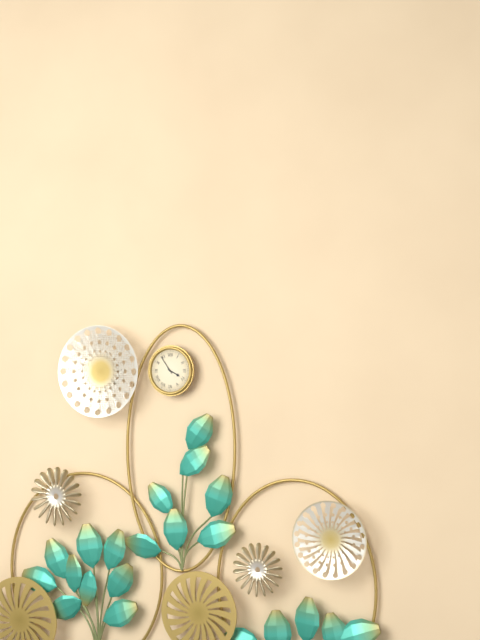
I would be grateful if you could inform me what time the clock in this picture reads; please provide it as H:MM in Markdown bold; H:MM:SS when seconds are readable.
**3:54**
